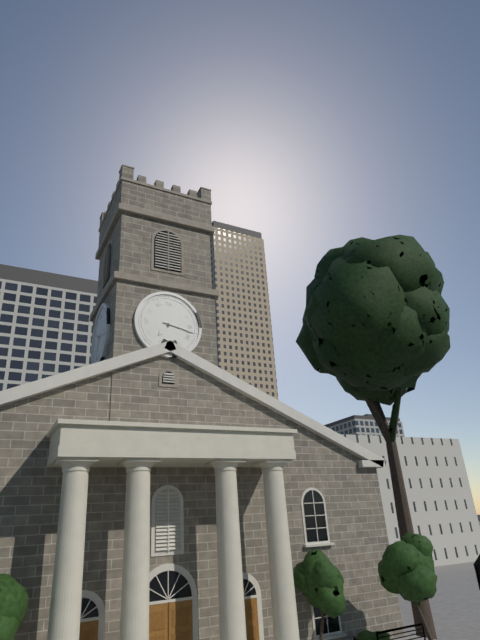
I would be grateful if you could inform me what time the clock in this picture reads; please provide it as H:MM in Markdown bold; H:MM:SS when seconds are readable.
**7:17**
